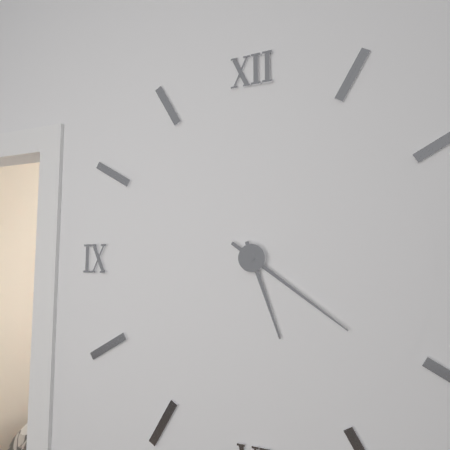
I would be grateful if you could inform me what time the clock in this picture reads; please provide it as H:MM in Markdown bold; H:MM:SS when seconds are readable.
**5:21**
